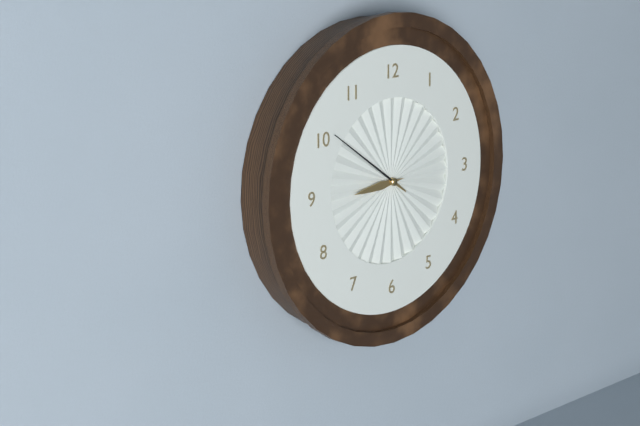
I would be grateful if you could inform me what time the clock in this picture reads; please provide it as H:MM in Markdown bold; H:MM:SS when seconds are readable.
**8:51**
